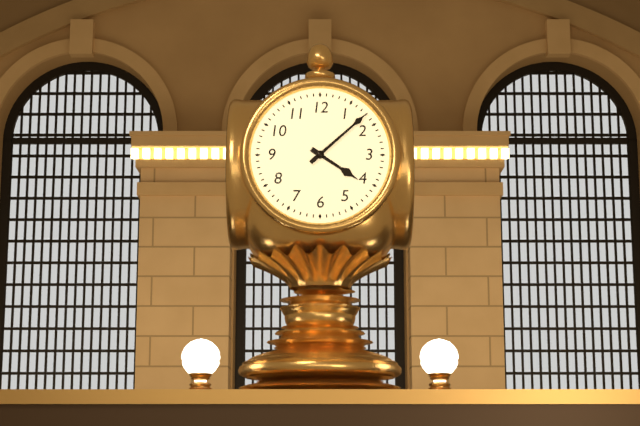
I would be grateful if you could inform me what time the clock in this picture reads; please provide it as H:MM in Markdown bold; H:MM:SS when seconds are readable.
**4:08**
